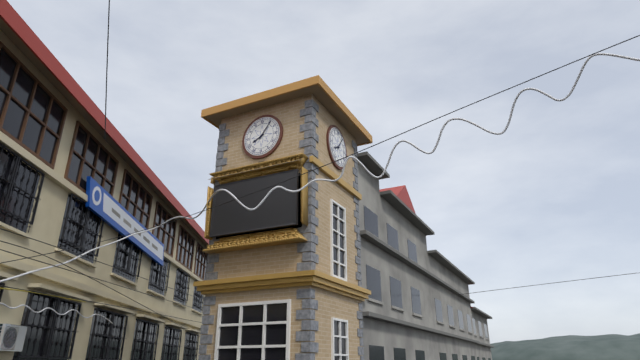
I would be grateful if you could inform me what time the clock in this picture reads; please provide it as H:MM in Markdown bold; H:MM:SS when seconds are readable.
**8:06**
